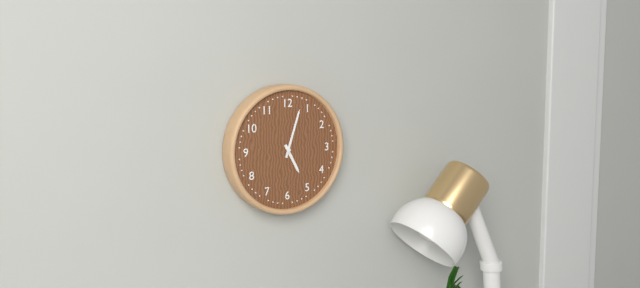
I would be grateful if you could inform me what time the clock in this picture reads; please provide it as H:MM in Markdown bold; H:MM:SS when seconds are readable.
**5:03**
